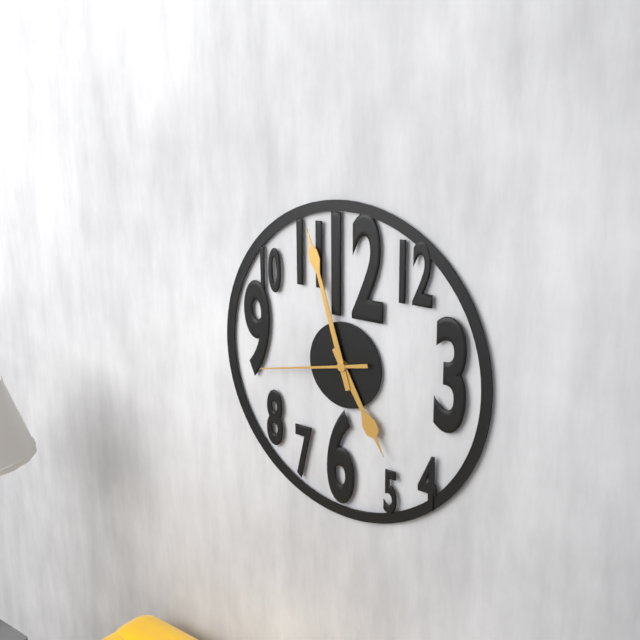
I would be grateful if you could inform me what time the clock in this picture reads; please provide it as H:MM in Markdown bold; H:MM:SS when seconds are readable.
**4:57:43**
